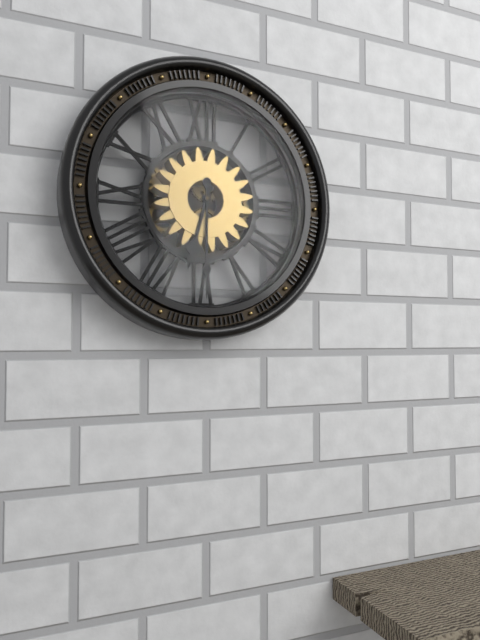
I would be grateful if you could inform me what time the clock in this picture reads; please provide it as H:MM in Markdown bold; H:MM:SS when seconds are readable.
**6:30**
